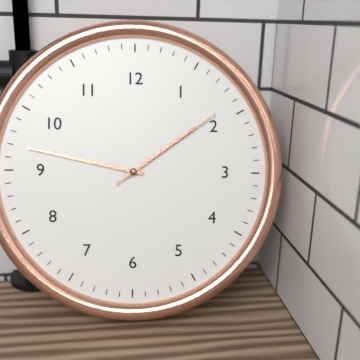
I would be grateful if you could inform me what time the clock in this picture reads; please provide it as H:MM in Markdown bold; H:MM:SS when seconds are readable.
**1:47:09**
